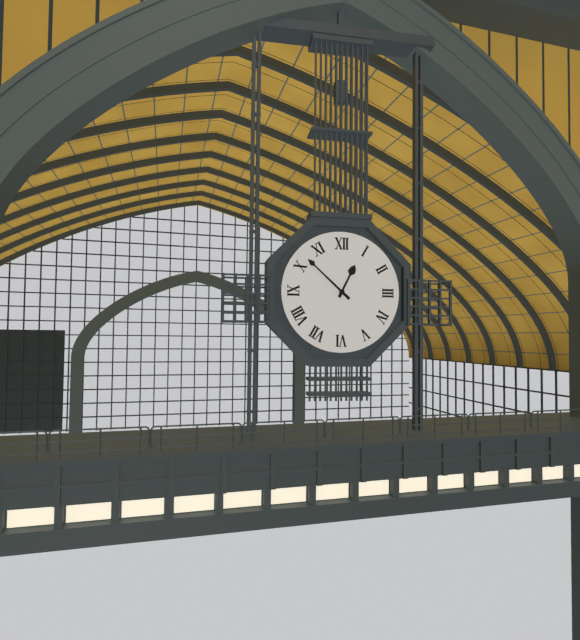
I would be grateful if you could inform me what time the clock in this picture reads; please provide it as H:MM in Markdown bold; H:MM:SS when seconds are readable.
**12:52**
